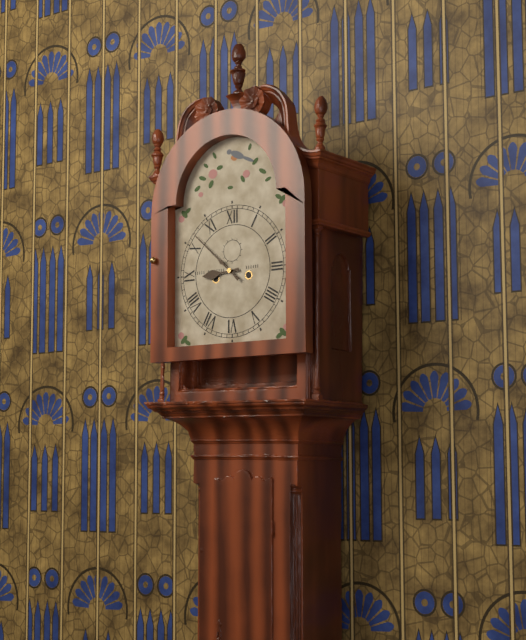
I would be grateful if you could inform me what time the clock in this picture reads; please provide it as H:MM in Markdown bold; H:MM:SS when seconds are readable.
**8:52**
